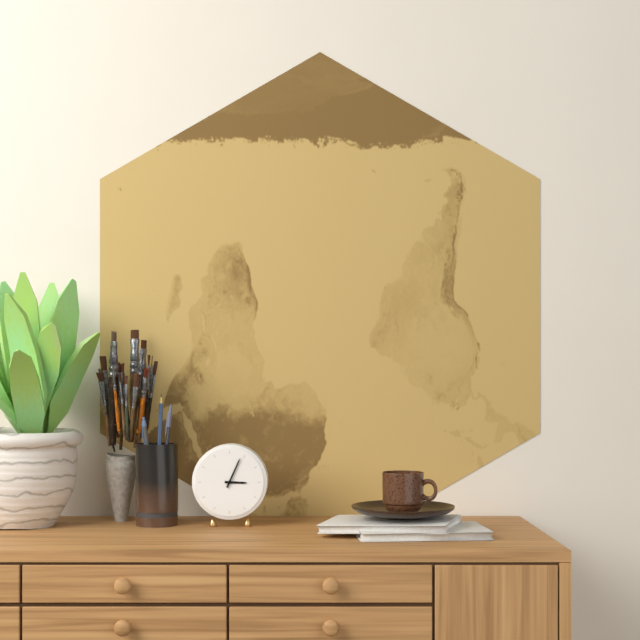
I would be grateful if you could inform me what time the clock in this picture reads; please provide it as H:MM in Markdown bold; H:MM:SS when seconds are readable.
**3:04**
